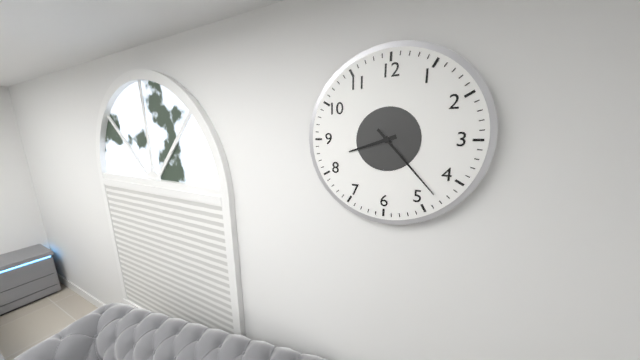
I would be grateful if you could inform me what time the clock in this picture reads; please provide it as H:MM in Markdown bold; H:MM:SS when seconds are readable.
**8:23**
